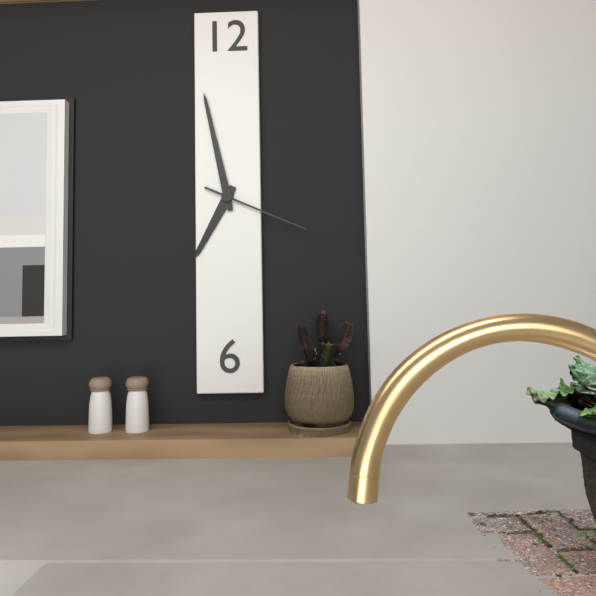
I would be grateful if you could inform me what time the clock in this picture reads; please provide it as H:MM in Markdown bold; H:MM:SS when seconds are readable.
**6:58:19**
